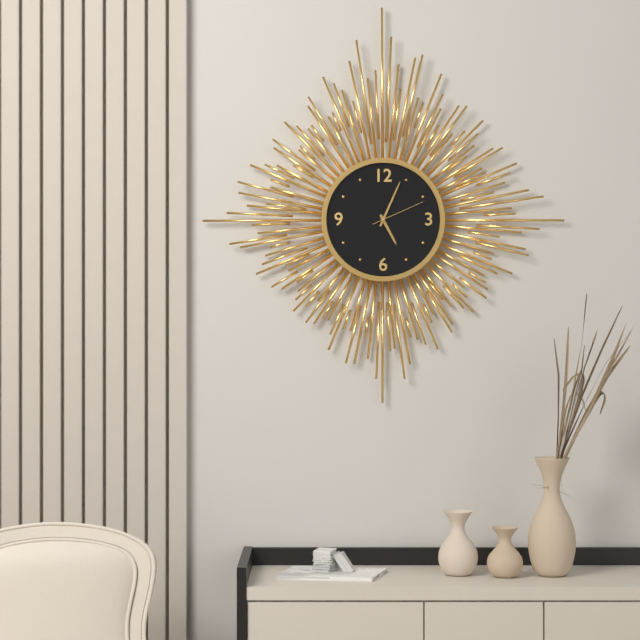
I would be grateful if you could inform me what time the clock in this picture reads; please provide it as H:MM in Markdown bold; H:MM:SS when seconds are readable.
**5:04:11**
